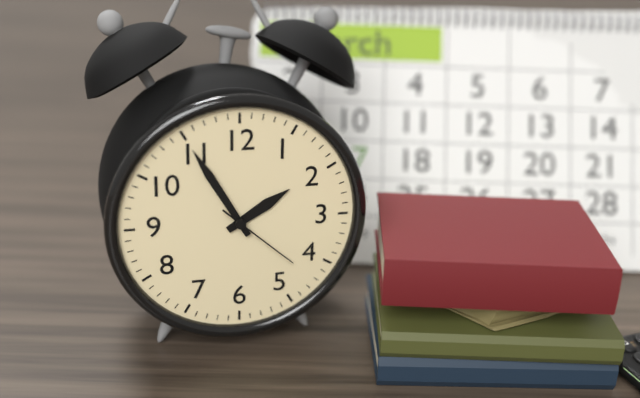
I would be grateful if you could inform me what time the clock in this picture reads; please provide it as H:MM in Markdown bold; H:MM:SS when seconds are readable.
**1:55:22**
